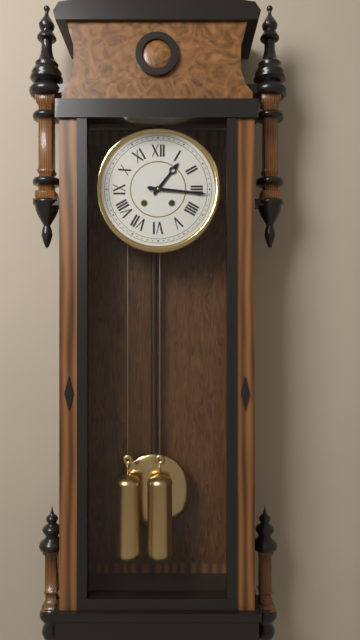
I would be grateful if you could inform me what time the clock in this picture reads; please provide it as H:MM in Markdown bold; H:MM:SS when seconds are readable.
**1:16**
